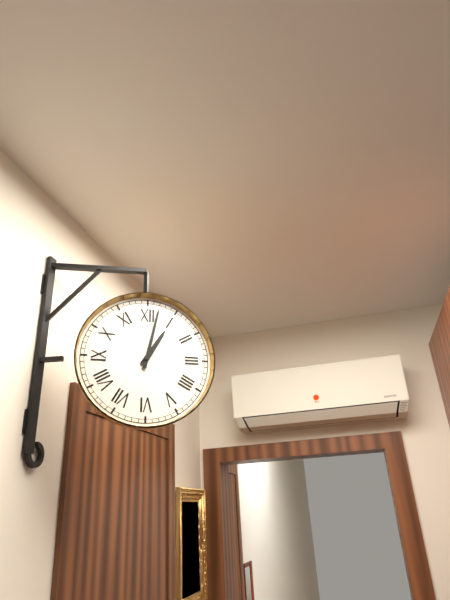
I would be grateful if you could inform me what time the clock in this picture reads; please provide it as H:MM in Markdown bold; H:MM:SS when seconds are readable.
**1:02**
